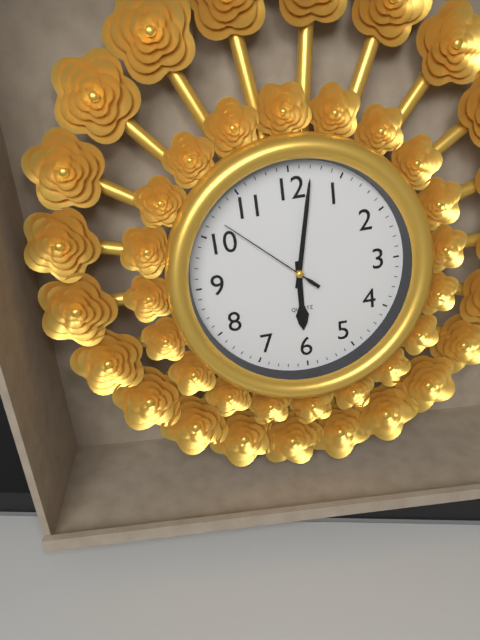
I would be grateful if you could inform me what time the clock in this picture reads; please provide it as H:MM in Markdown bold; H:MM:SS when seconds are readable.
**6:02:52**
